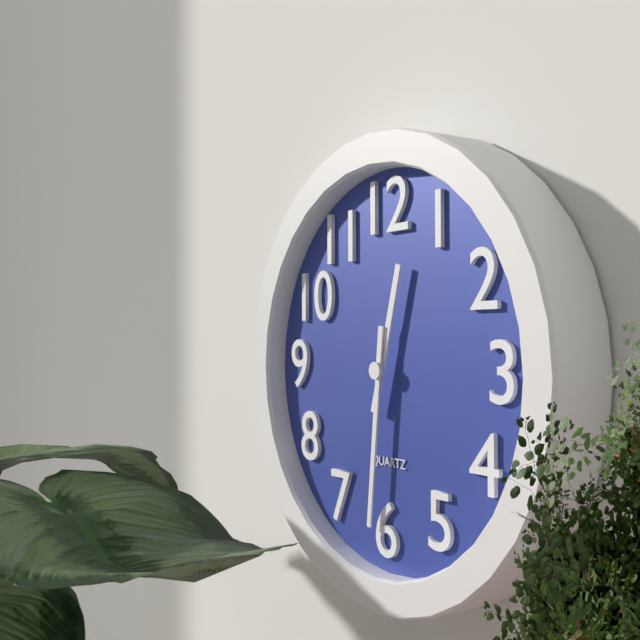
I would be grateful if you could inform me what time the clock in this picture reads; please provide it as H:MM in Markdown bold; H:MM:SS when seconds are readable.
**12:31**
